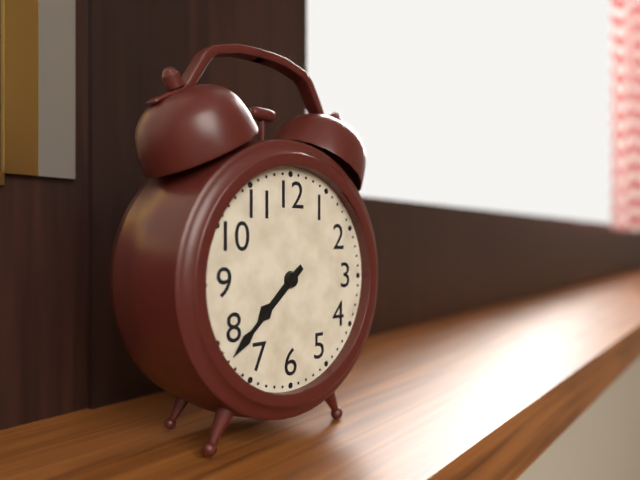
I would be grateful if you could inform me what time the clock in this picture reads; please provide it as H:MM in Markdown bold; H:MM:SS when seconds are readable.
**7:38**
